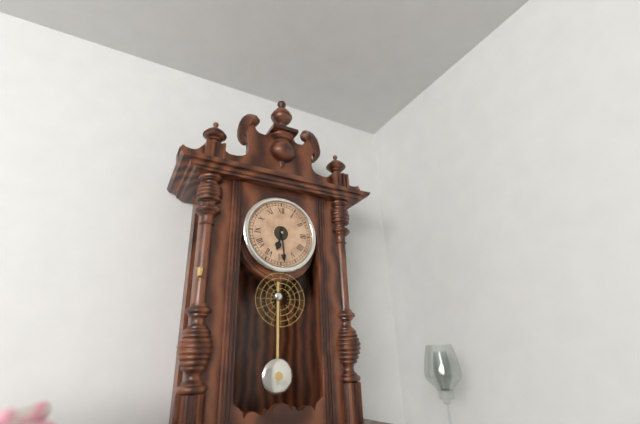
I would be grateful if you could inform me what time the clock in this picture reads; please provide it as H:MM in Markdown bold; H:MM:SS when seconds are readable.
**6:29**
